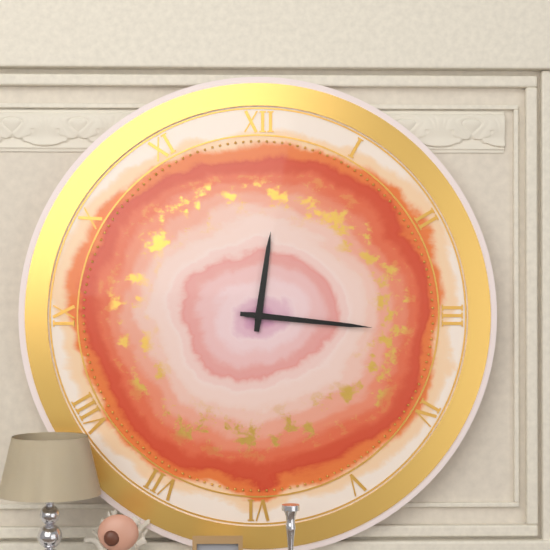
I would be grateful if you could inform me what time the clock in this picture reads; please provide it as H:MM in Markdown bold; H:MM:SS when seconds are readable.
**12:16**
